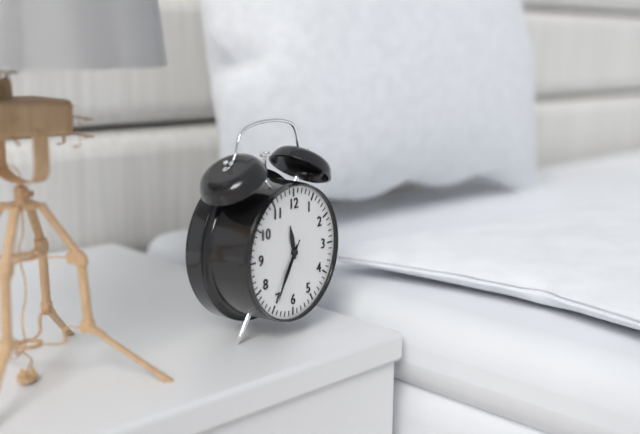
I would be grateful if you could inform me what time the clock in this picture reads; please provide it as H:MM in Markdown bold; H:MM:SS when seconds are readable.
**11:35:35**
